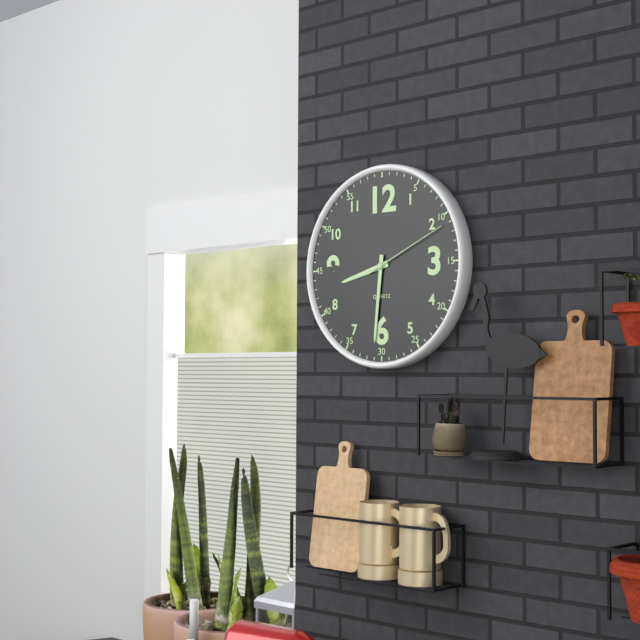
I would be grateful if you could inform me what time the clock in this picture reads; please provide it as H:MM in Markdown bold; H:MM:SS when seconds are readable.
**8:31:11**
